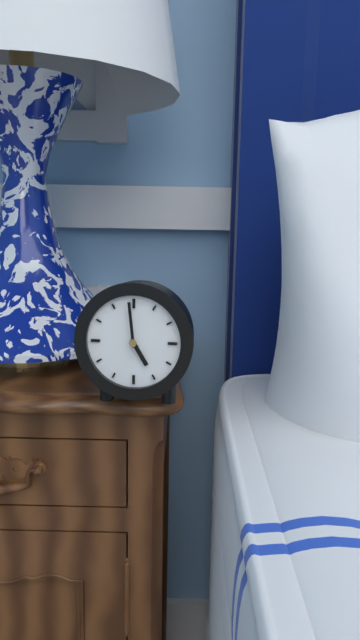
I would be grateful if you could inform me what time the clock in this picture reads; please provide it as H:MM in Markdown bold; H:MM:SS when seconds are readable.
**4:59**
